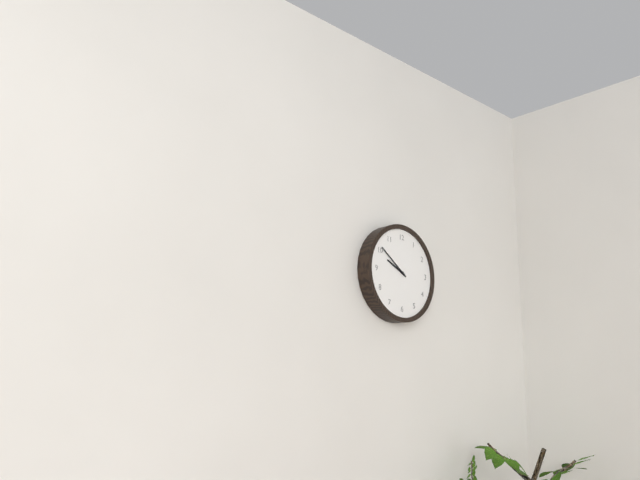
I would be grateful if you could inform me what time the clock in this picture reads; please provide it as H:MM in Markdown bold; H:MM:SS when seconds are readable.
**9:51**
